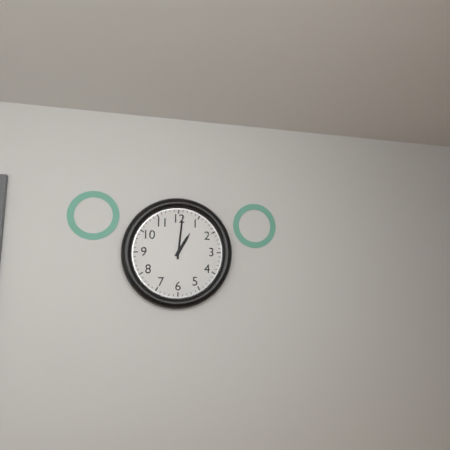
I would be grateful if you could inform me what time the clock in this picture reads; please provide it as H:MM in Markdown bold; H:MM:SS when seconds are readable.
**1:01**
